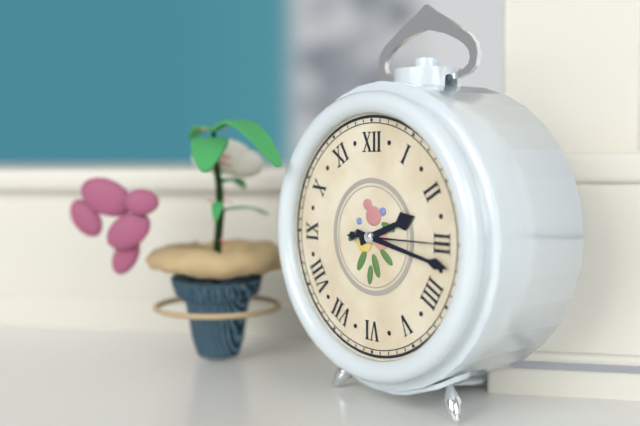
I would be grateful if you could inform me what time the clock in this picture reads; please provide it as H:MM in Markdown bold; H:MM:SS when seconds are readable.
**2:17:15**
